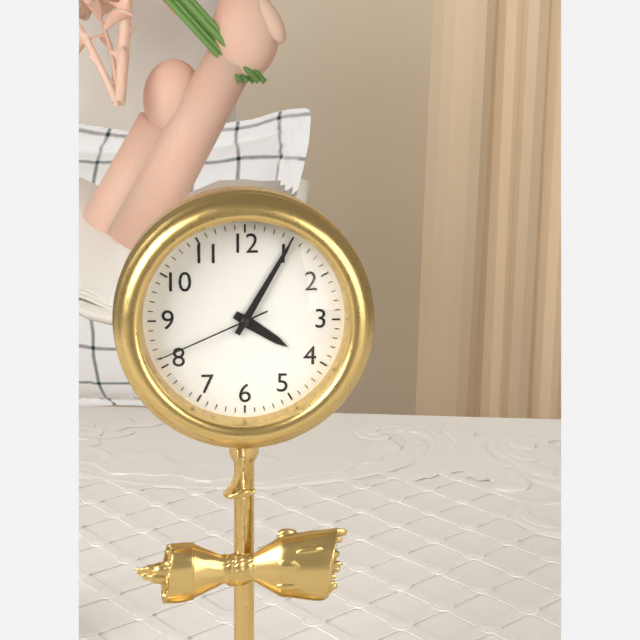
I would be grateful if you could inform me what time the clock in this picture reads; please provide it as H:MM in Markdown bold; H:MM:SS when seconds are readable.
**4:05:41**
